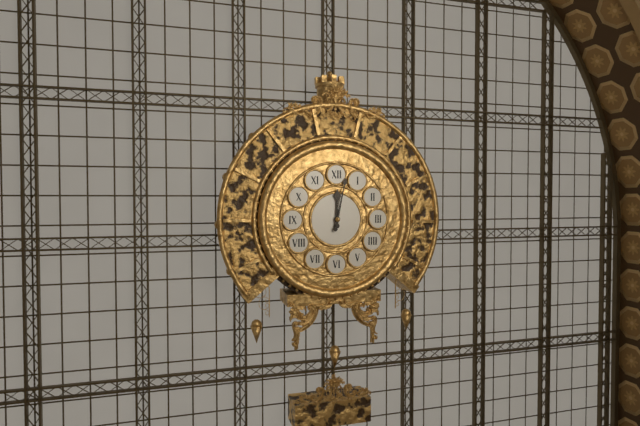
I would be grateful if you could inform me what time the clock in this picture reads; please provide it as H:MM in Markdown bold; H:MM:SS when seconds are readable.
**12:02**
